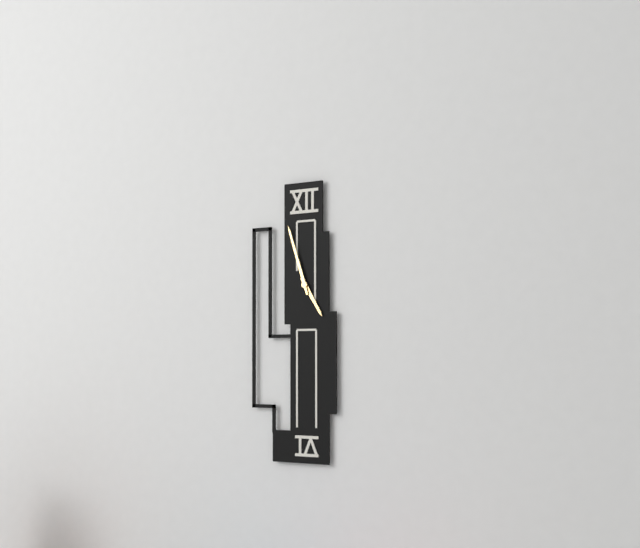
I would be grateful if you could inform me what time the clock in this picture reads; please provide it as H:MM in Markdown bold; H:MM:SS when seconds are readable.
**4:57**
